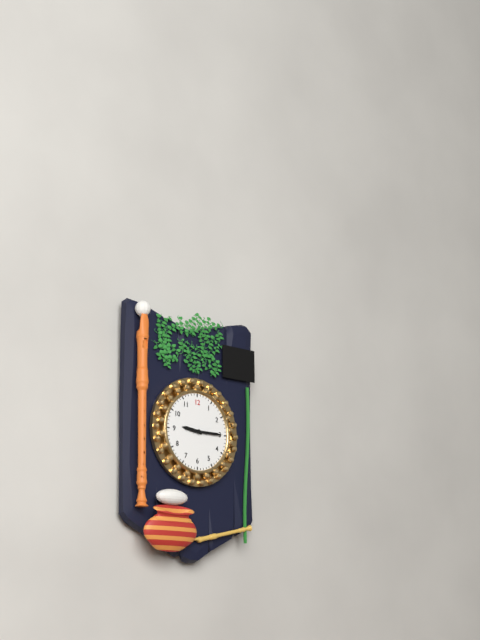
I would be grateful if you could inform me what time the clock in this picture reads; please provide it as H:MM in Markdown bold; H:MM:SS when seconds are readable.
**9:15**
